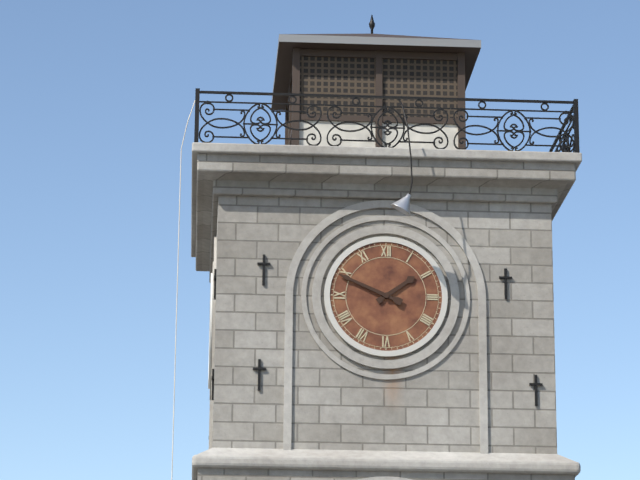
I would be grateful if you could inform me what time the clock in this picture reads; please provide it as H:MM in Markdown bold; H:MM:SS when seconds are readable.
**1:49**
